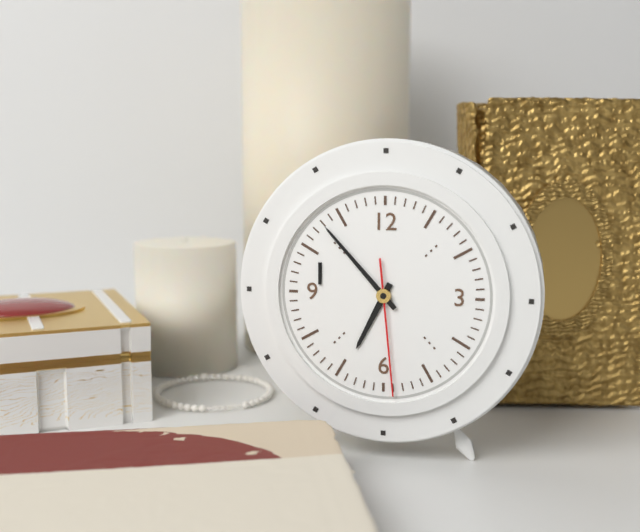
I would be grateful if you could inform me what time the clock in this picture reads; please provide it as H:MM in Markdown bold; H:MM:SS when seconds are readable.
**6:53:29**
